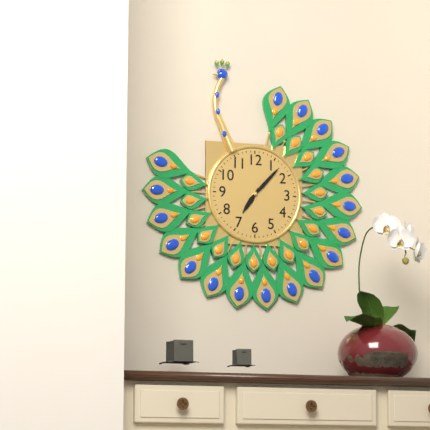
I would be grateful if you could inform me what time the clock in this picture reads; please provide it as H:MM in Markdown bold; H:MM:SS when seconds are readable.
**7:07**
